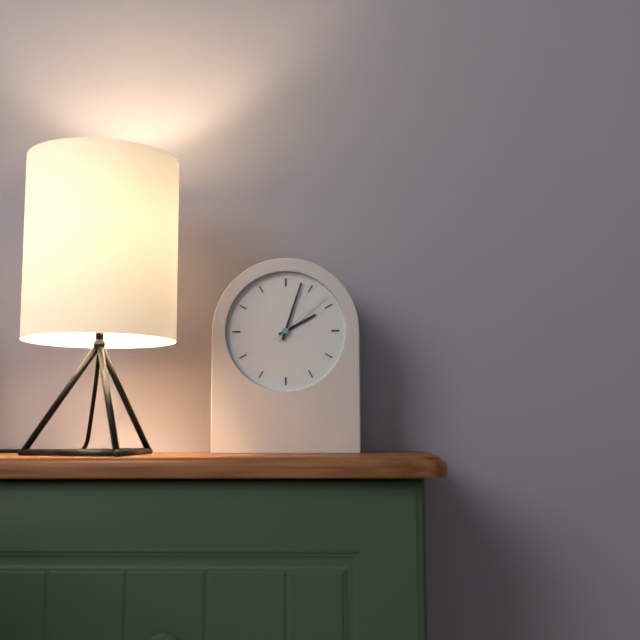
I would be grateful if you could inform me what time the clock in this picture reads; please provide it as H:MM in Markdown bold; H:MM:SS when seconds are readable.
**2:03:08**
